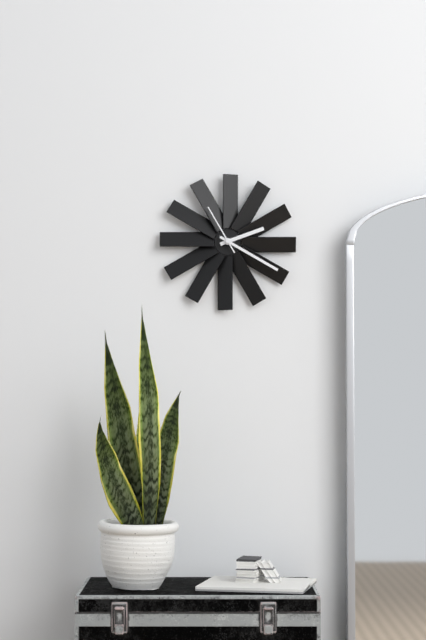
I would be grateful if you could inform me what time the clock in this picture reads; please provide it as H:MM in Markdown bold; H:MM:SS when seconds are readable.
**2:20**
